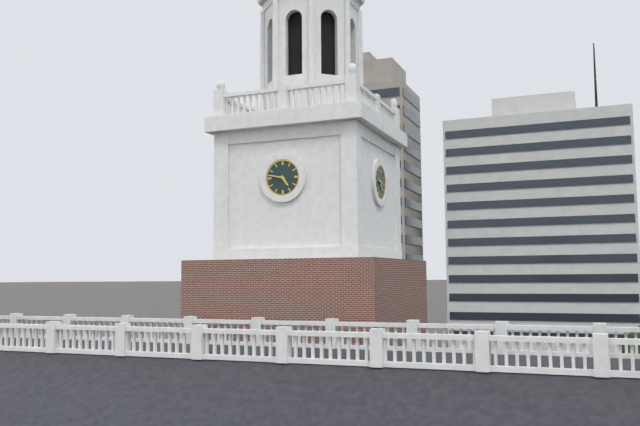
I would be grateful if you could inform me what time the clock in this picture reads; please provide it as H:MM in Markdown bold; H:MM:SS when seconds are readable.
**4:47**
